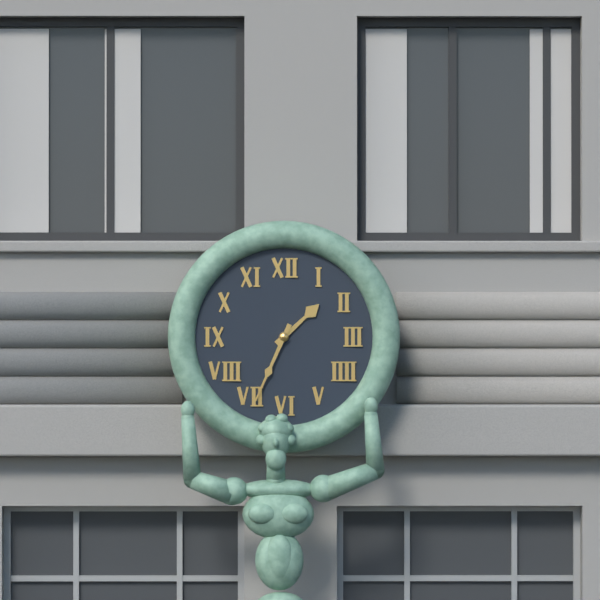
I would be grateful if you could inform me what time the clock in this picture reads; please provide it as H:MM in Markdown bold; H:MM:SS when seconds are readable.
**1:34**
